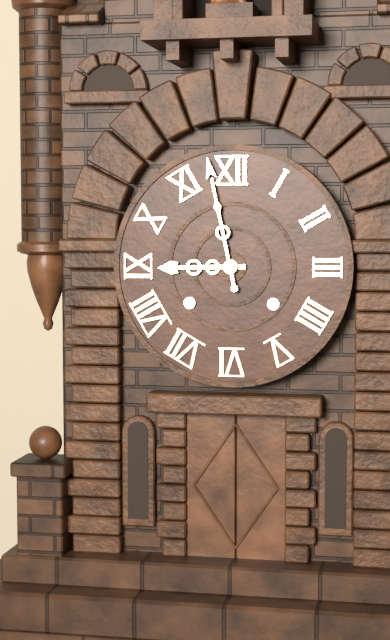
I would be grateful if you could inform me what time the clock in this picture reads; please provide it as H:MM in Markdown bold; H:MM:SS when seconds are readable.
**8:58**
